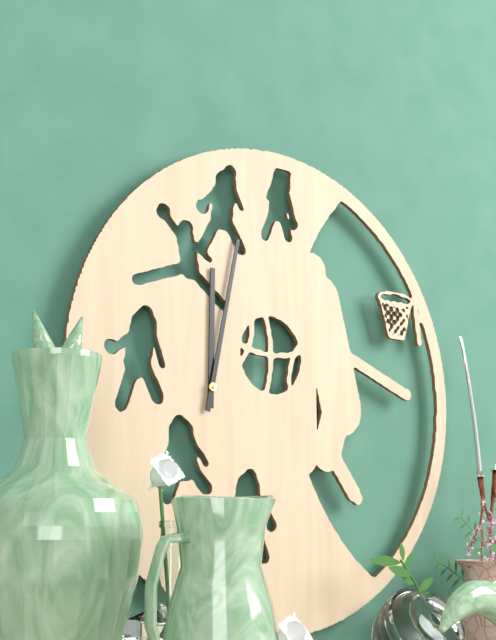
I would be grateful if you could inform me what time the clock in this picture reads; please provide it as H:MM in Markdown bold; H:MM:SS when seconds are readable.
**12:02**
